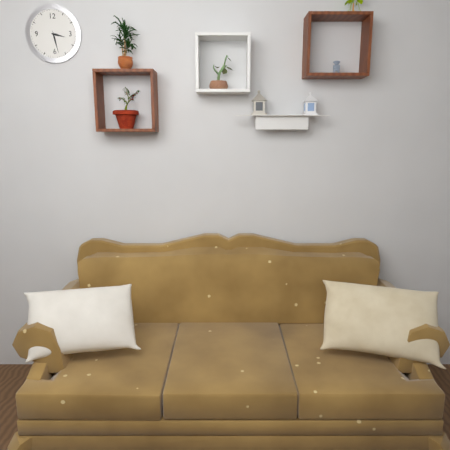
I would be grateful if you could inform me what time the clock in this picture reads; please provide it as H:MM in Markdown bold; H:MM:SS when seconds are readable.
**3:28**
